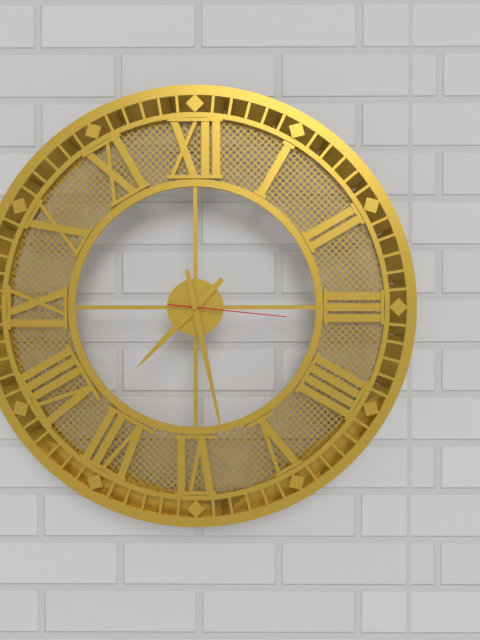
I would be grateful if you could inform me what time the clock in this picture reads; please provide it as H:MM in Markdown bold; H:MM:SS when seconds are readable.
**7:28:16**
